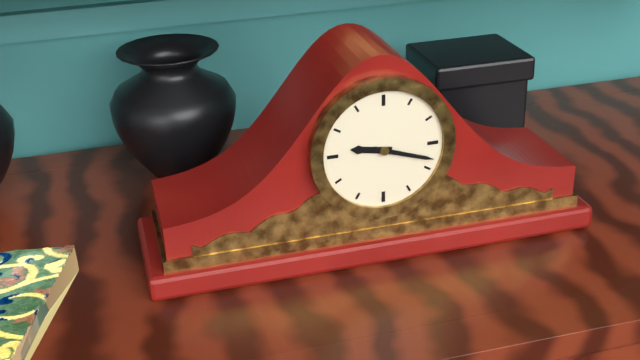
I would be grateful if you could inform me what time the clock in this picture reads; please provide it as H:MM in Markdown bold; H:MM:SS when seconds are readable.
**9:18**
